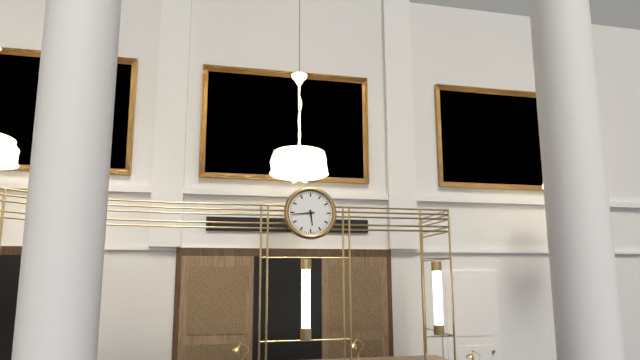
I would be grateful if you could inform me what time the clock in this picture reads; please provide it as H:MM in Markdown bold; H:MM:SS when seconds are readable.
**5:44**
